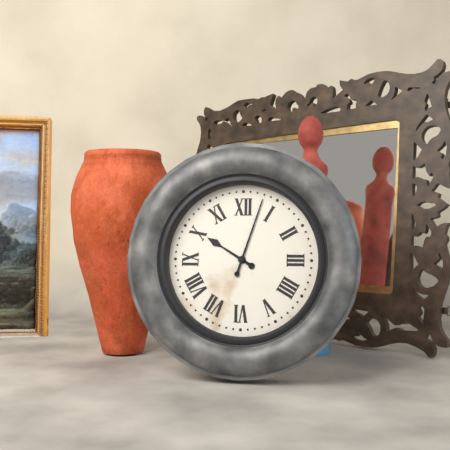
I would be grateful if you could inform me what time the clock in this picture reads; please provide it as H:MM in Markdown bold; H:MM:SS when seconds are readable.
**10:03**
